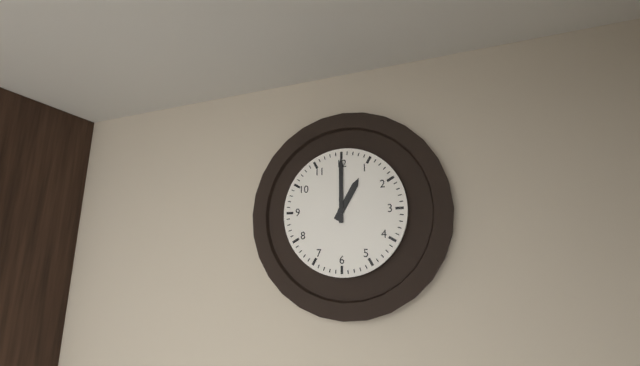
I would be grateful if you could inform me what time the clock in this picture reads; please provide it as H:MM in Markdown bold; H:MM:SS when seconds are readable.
**1:00**
